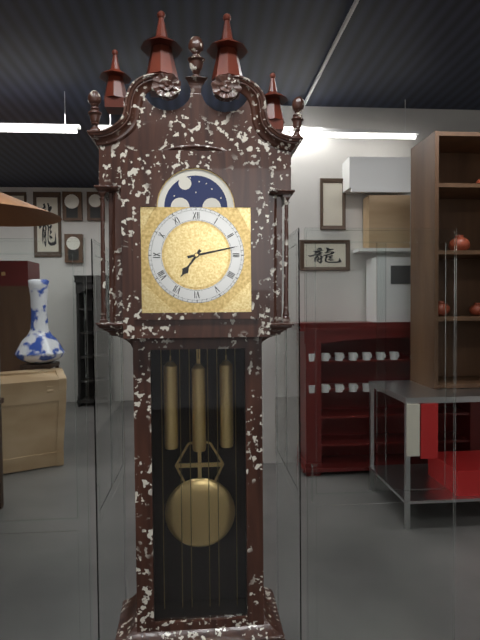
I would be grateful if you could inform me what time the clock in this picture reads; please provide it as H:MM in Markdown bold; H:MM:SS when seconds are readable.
**7:13**
